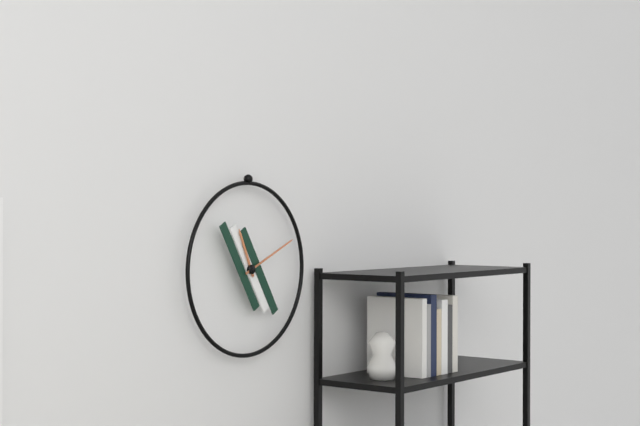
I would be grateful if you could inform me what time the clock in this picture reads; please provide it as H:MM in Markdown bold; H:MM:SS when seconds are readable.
**11:11**
